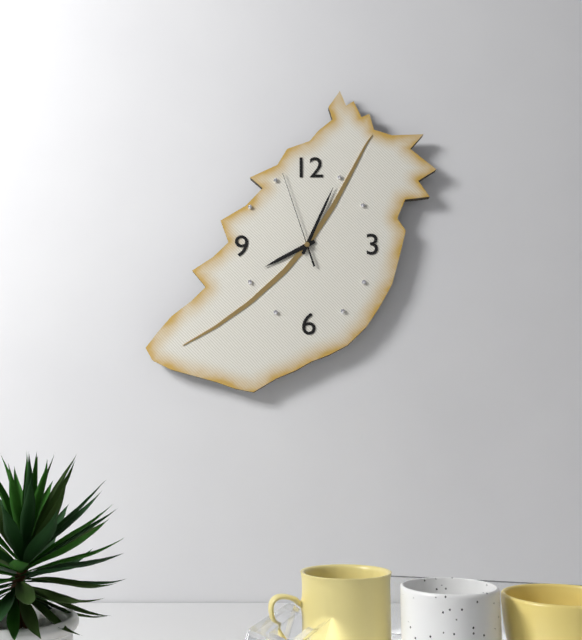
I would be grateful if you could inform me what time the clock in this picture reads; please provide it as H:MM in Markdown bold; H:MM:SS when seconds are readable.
**8:04:57**
